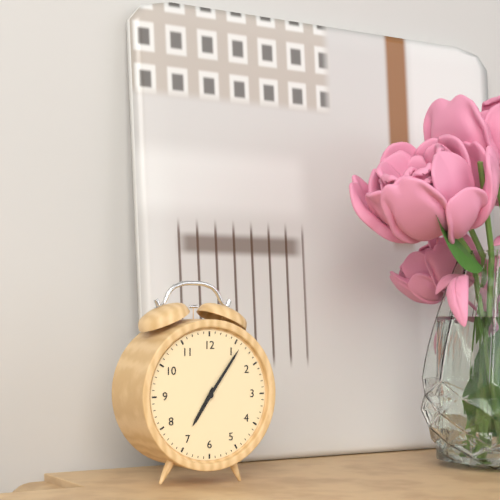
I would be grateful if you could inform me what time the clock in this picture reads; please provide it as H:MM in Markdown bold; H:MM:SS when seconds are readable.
**7:06**
